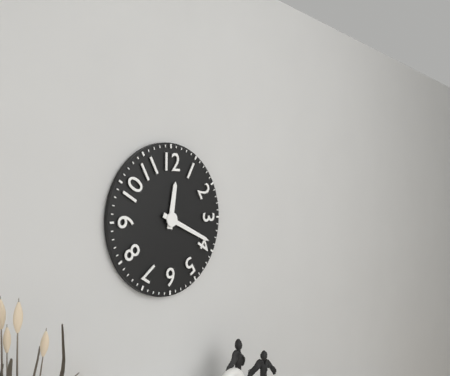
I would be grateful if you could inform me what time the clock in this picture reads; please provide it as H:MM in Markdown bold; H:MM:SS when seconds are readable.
**12:19**
